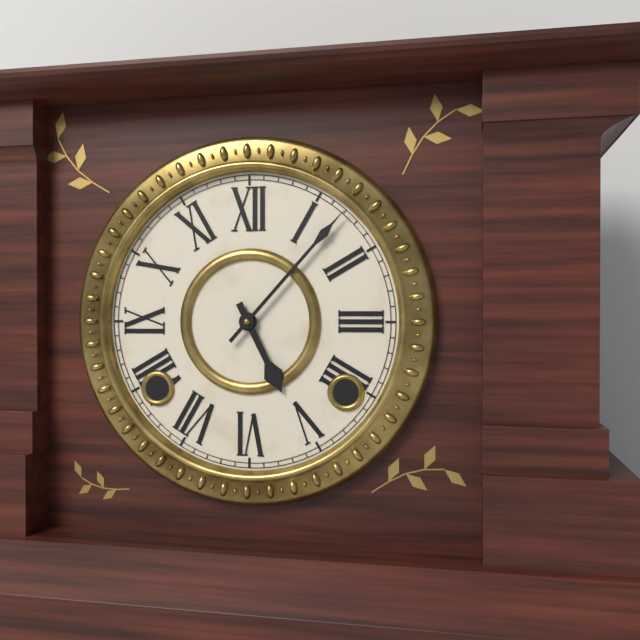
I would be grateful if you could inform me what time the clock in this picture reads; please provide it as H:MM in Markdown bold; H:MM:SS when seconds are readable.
**5:07**
